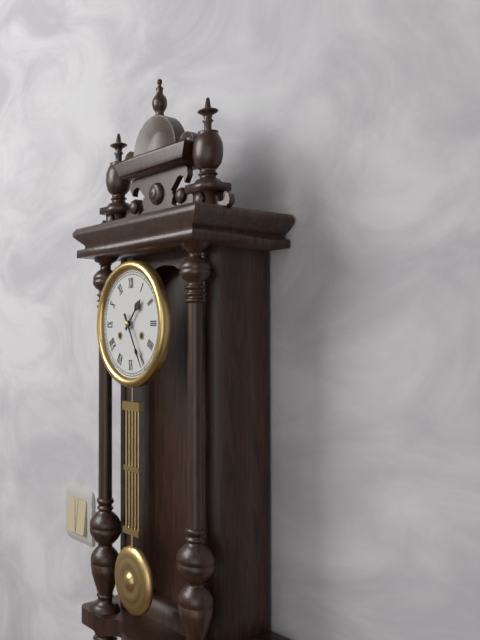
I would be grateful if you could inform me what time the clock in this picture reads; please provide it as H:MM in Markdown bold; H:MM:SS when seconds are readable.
**1:25**
